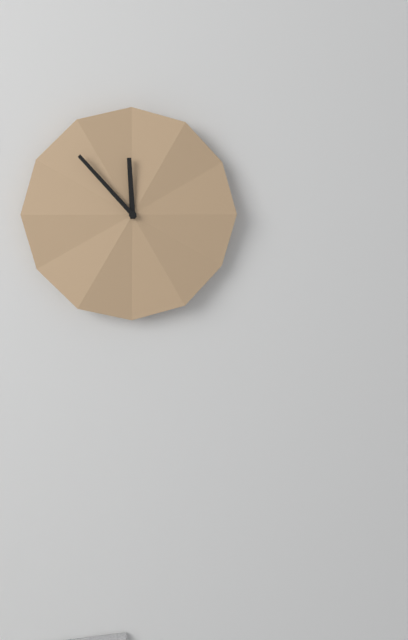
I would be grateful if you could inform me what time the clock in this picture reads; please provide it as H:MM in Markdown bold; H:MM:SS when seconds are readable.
**11:53**
